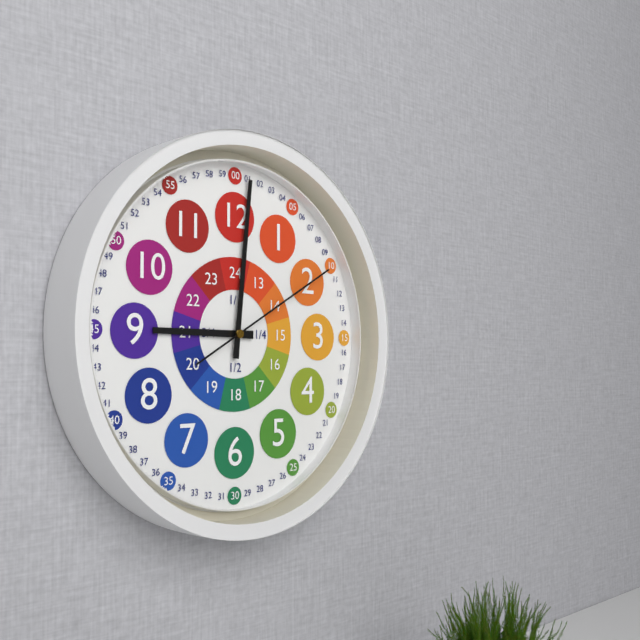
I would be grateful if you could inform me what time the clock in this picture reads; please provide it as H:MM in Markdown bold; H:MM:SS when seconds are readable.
**9:01:10**
